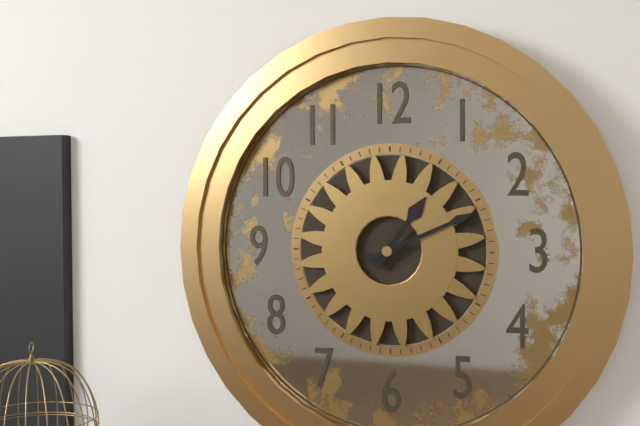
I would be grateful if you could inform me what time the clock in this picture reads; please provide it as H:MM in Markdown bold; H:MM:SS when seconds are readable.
**1:11**
